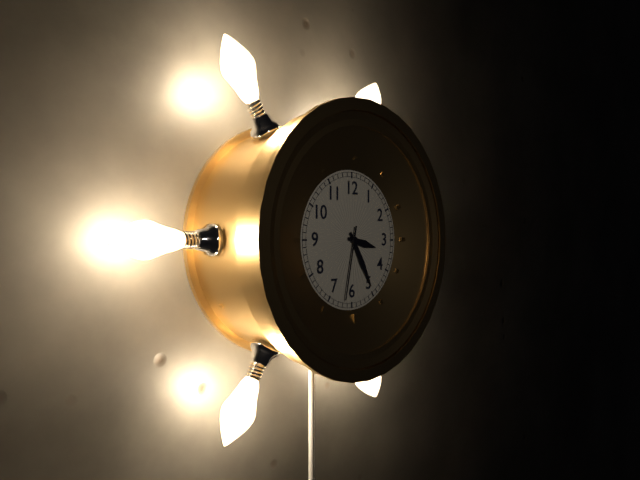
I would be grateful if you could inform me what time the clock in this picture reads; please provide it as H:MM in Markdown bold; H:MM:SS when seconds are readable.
**3:25:32**
